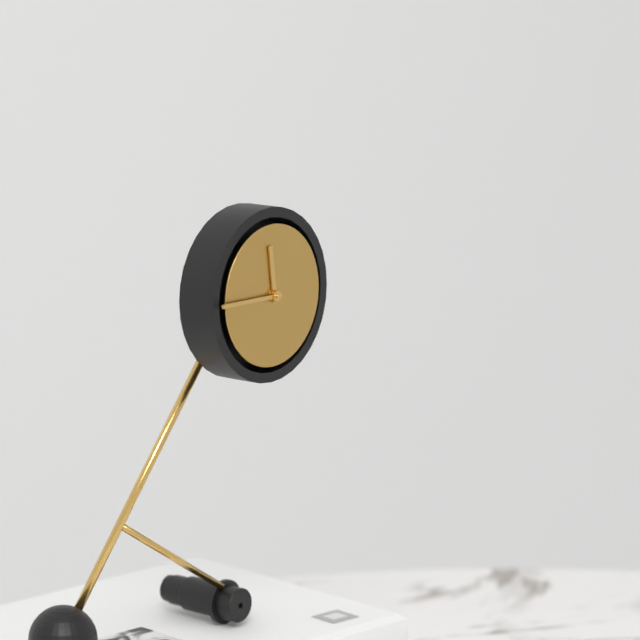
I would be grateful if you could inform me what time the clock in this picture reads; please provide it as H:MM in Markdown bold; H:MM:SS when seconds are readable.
**11:45**
